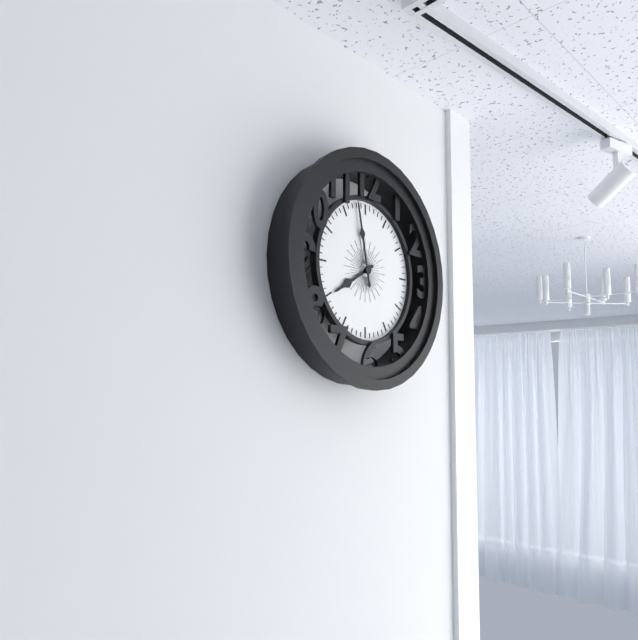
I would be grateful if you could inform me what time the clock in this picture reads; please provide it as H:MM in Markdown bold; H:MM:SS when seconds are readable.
**7:58**
